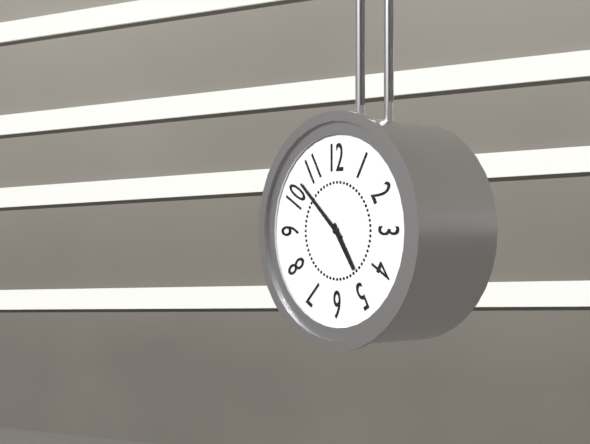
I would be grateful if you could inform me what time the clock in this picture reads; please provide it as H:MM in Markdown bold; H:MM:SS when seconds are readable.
**4:52**
